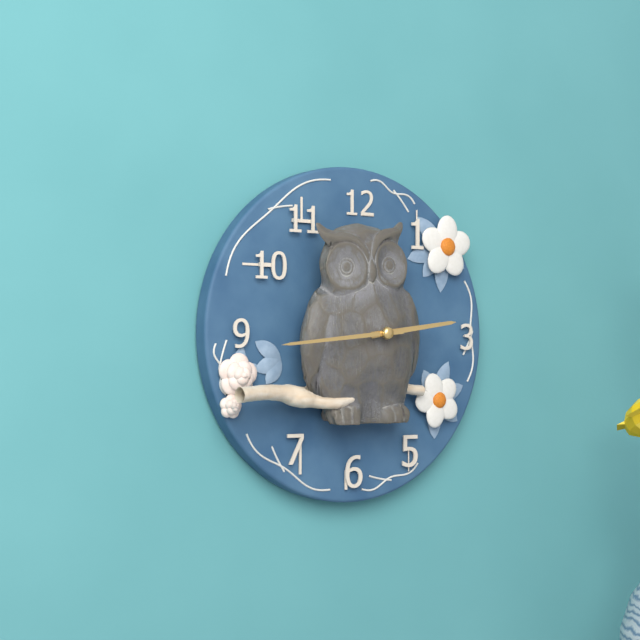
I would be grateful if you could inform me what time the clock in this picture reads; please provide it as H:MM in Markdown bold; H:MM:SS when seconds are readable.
**2:44**
